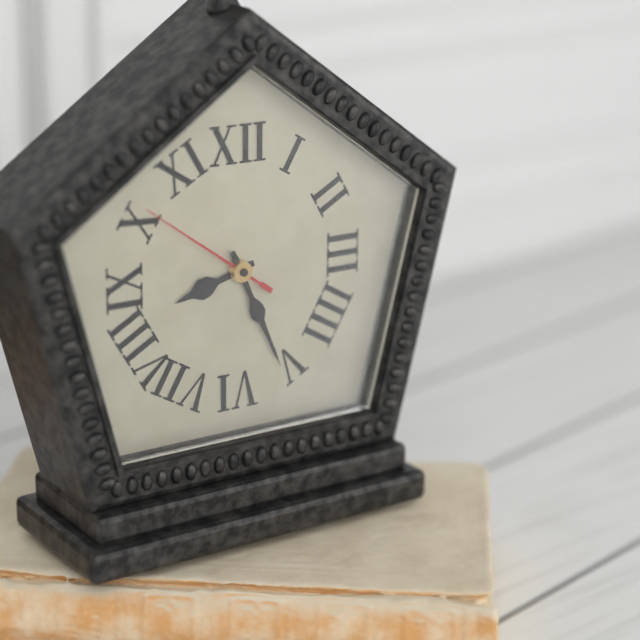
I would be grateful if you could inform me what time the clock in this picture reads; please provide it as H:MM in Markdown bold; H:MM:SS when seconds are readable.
**8:26:51**
